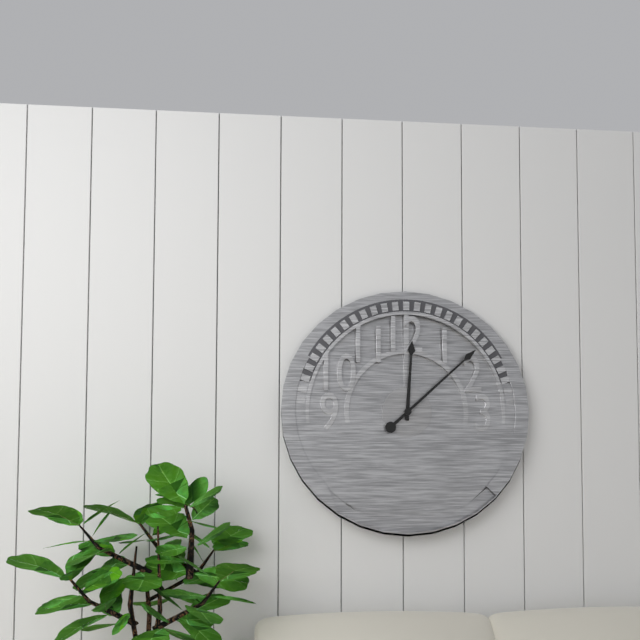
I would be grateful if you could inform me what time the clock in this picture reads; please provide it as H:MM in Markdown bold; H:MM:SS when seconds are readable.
**12:08**
